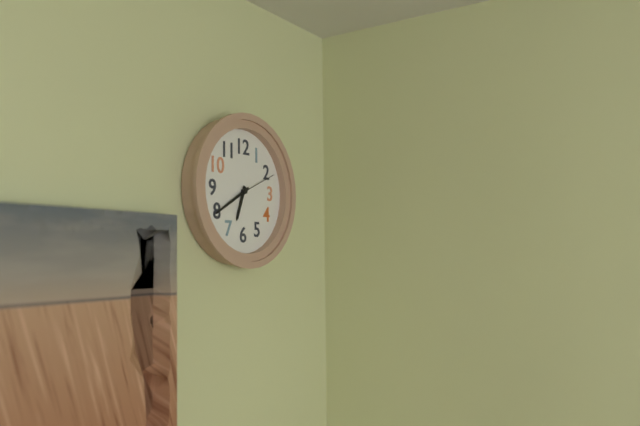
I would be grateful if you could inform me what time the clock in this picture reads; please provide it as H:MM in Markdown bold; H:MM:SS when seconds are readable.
**6:40**
